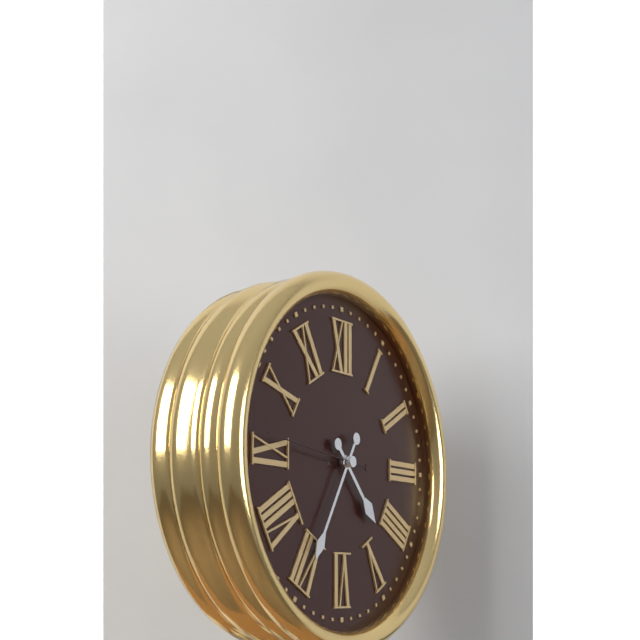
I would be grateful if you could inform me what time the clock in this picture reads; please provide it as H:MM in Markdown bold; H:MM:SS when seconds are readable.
**4:35:46**
